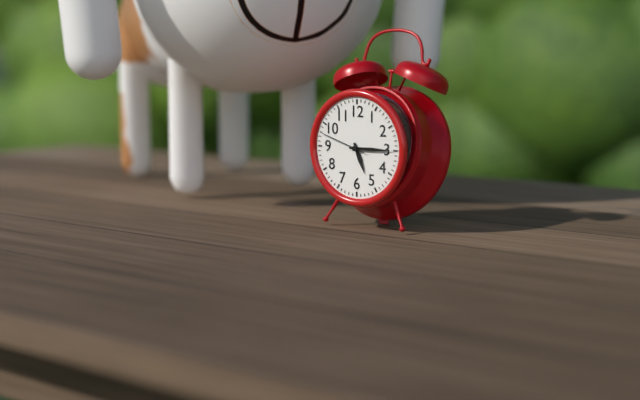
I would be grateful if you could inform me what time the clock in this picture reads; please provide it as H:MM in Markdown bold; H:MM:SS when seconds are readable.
**5:15**
